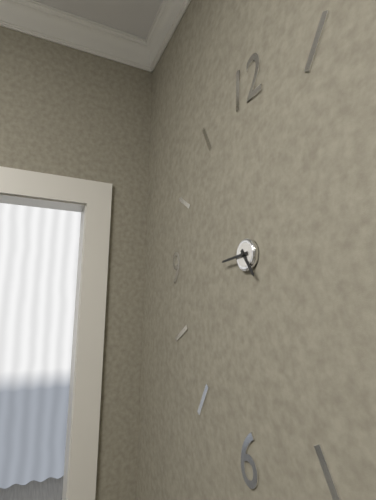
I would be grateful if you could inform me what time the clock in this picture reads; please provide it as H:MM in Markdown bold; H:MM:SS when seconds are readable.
**4:44**
